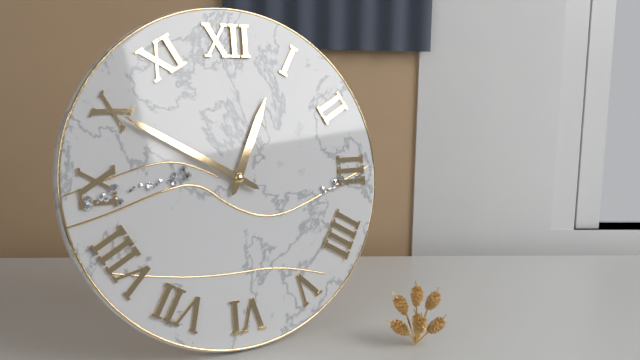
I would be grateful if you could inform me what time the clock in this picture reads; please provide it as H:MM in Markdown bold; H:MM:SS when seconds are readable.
**12:50**
